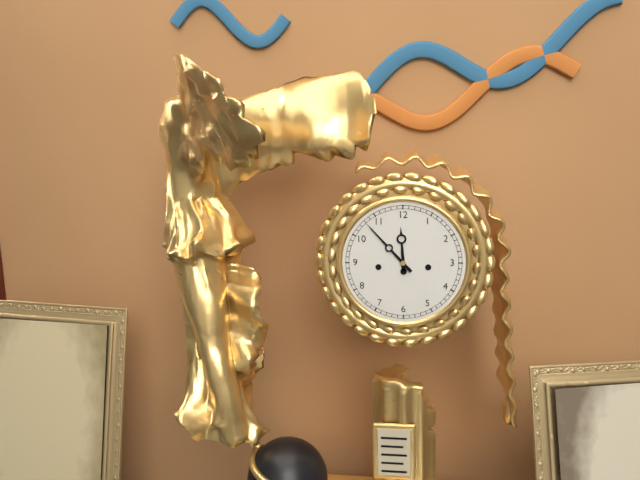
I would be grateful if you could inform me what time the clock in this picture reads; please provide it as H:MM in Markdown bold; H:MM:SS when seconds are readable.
**11:53**
